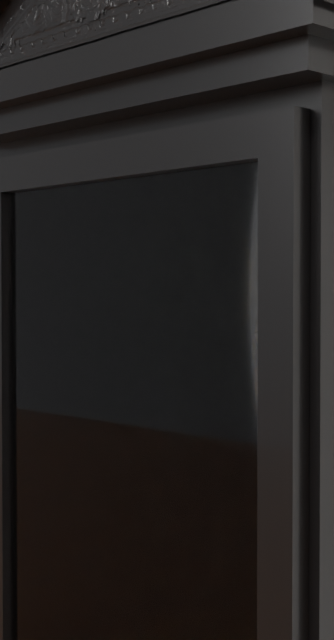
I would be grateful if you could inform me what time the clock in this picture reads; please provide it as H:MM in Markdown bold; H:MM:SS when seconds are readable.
**6:23**
